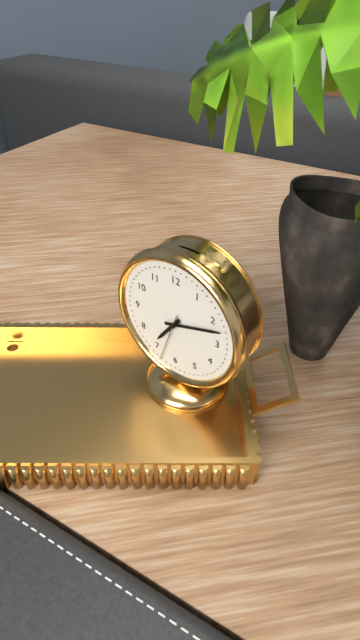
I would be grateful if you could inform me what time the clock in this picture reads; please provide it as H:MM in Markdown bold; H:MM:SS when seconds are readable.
**7:12**
